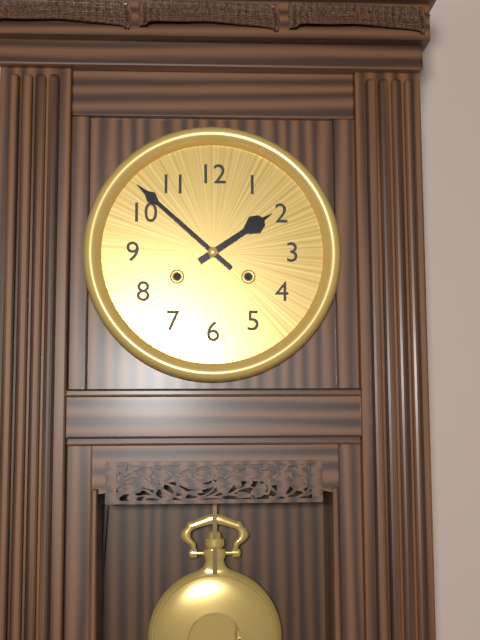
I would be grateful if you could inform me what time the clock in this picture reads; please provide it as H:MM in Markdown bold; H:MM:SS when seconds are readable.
**1:52**
